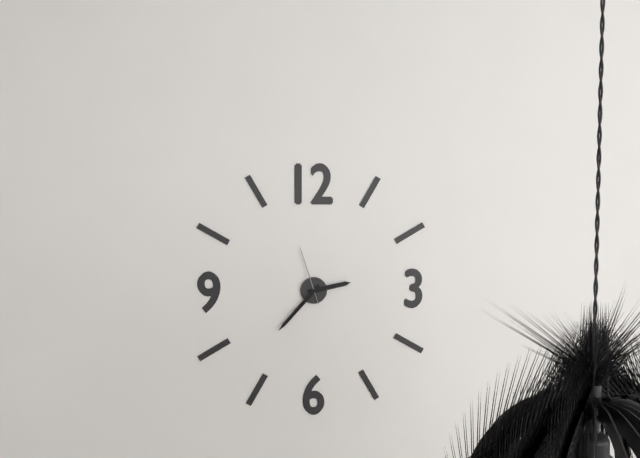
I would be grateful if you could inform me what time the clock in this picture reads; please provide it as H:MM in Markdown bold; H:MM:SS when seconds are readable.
**2:37:57**
